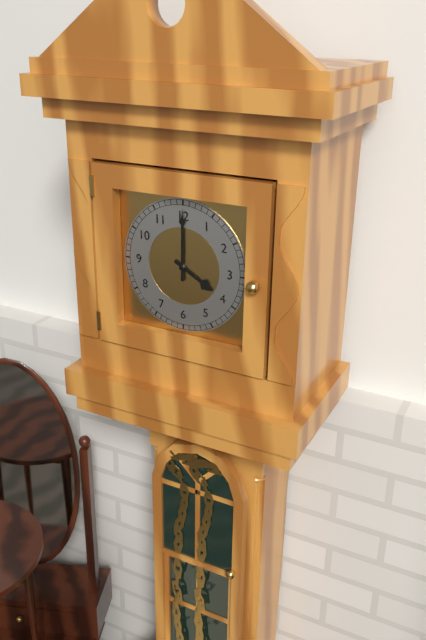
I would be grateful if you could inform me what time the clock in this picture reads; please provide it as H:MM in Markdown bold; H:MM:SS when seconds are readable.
**4:00**
